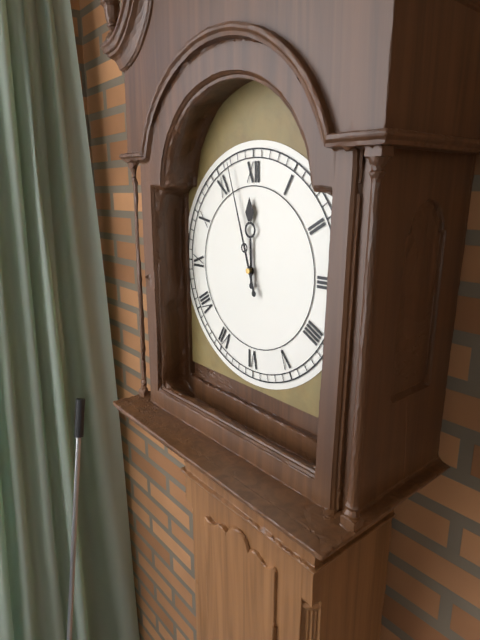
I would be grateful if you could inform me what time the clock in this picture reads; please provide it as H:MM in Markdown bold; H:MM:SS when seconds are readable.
**11:57**
